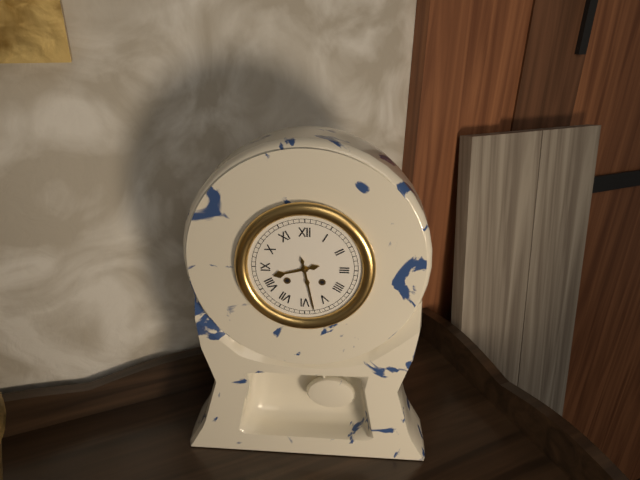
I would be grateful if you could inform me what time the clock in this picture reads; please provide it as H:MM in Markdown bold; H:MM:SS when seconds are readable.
**8:28**
